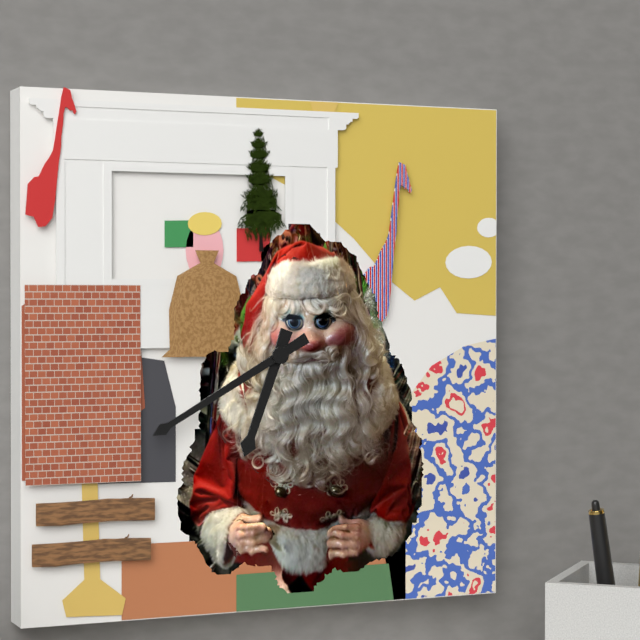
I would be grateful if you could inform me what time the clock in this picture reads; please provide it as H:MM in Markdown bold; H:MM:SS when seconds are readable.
**6:40**
